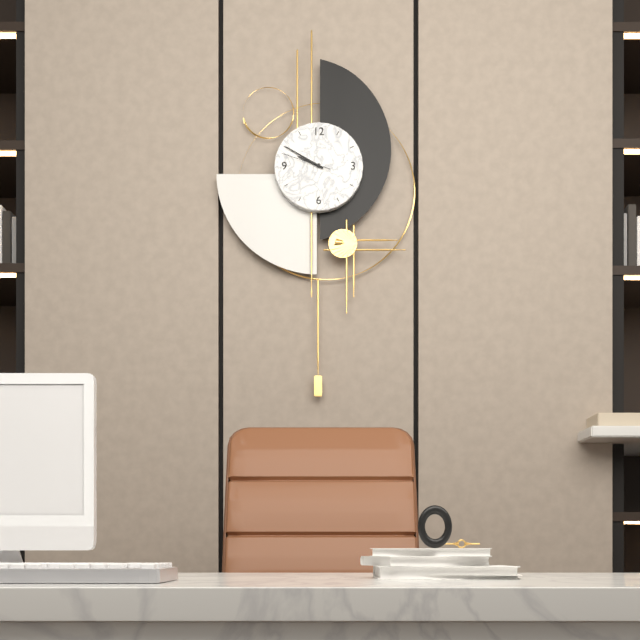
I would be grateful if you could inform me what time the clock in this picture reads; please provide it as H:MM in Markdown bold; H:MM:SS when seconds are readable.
**9:50**
